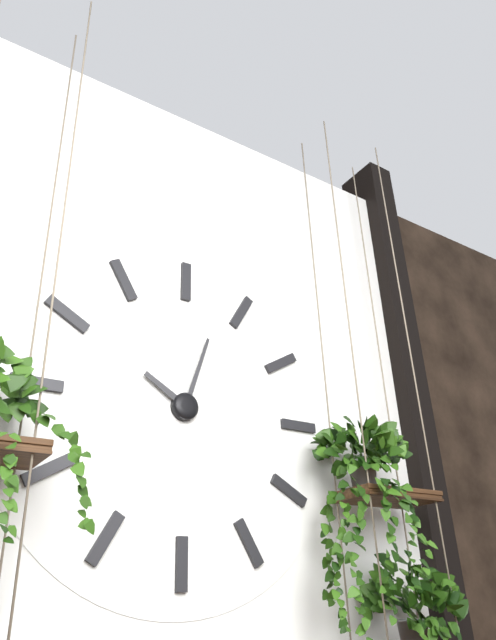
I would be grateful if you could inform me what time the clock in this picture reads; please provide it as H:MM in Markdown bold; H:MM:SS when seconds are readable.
**10:03**
